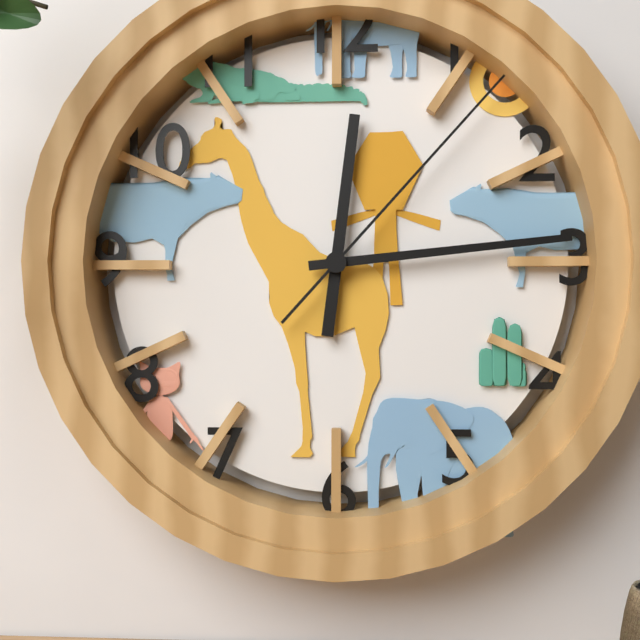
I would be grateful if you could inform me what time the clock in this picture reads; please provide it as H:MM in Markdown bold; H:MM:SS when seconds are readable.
**12:14:07**
